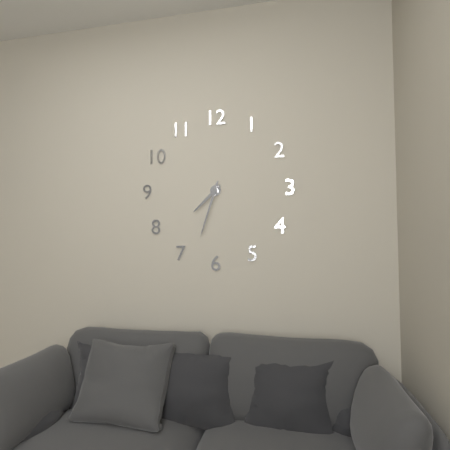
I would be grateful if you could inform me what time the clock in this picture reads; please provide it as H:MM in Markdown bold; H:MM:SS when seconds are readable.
**7:33**
